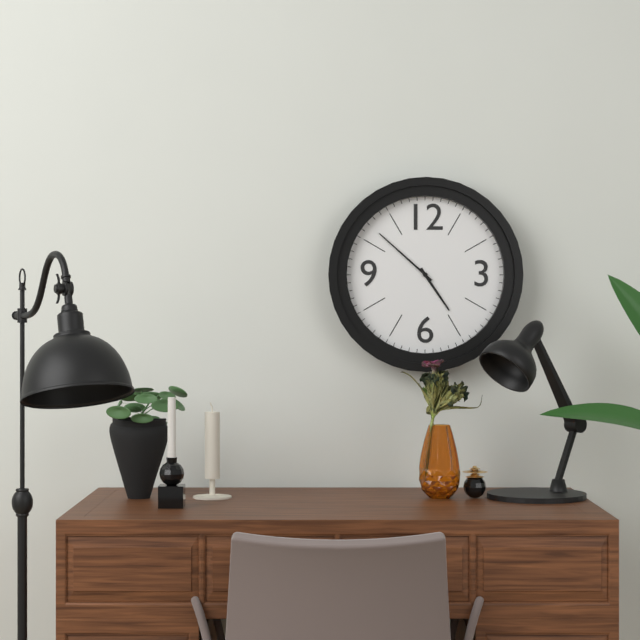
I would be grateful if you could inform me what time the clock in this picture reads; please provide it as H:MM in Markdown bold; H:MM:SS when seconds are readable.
**4:52**
